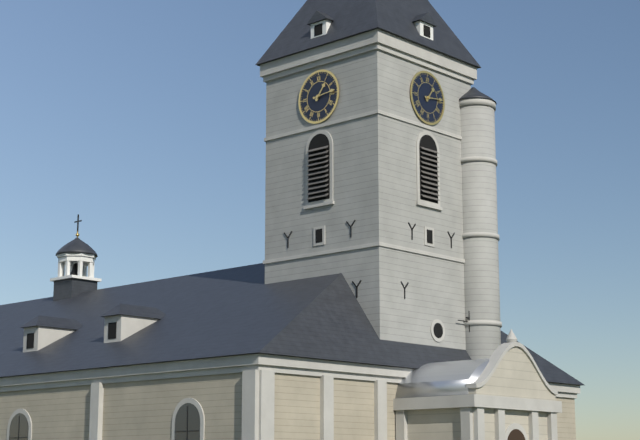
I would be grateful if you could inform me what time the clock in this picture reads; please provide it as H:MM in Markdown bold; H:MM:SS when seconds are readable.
**1:14**
